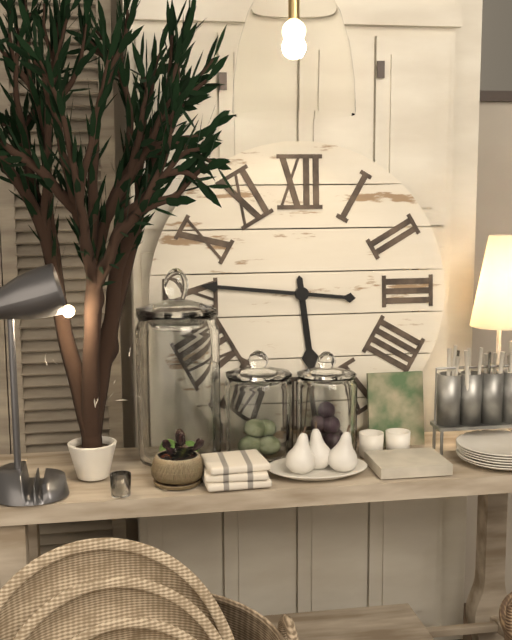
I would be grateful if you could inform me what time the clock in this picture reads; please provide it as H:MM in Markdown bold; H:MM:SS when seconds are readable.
**5:46**
